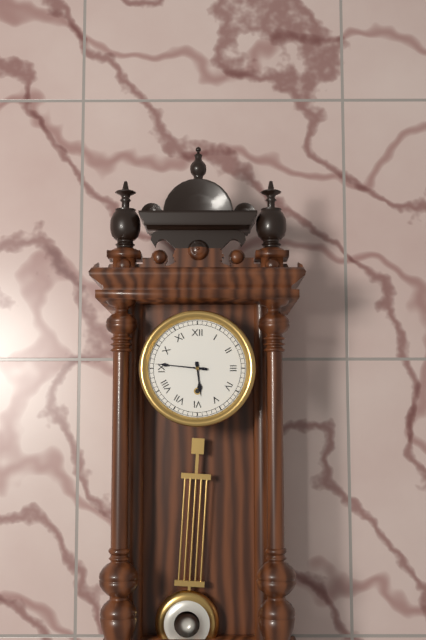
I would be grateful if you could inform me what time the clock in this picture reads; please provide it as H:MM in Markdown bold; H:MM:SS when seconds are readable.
**5:46**
